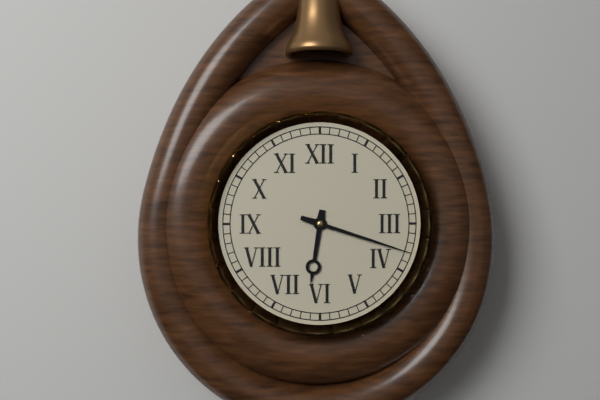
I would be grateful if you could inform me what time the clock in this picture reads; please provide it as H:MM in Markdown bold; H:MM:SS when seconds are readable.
**6:18**
